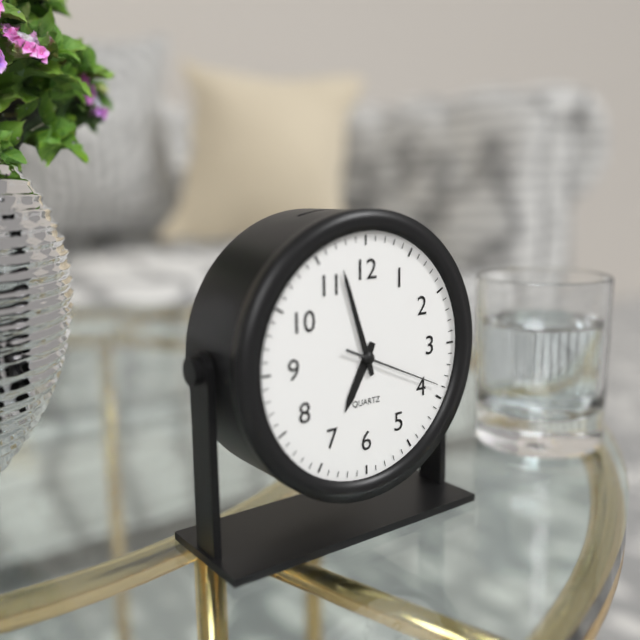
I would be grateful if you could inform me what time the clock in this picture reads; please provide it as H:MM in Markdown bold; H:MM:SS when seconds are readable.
**6:57:19**
